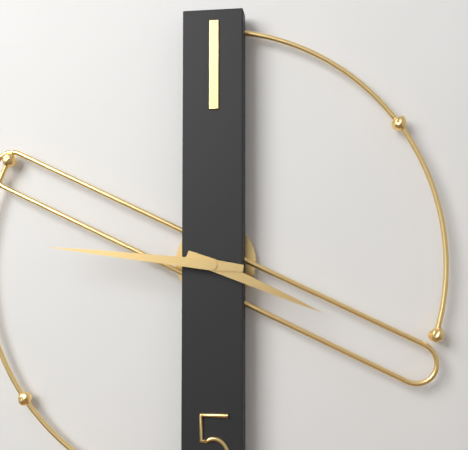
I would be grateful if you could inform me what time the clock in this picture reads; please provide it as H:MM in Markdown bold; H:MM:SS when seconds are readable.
**3:46**
